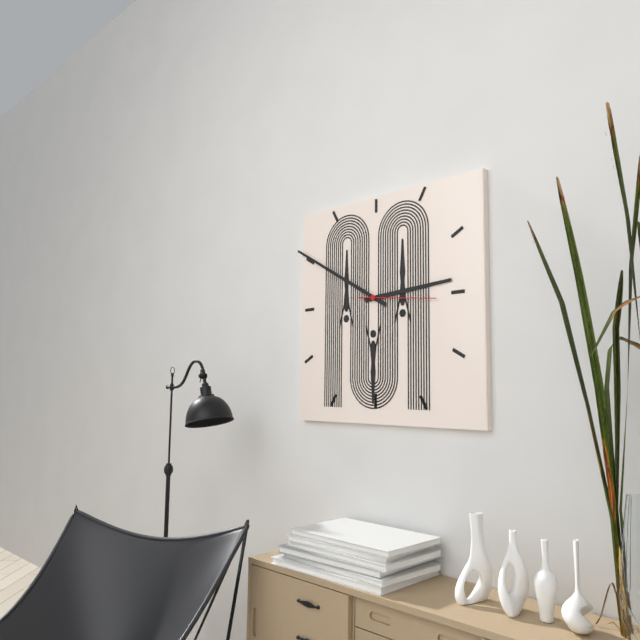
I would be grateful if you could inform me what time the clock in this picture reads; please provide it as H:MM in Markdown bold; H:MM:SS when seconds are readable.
**2:50:16**
